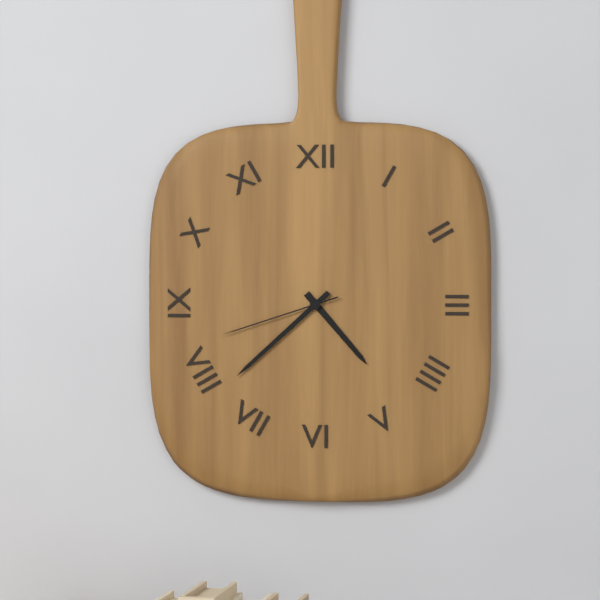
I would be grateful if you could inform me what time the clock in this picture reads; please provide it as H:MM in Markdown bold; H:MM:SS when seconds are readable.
**4:38:42**
